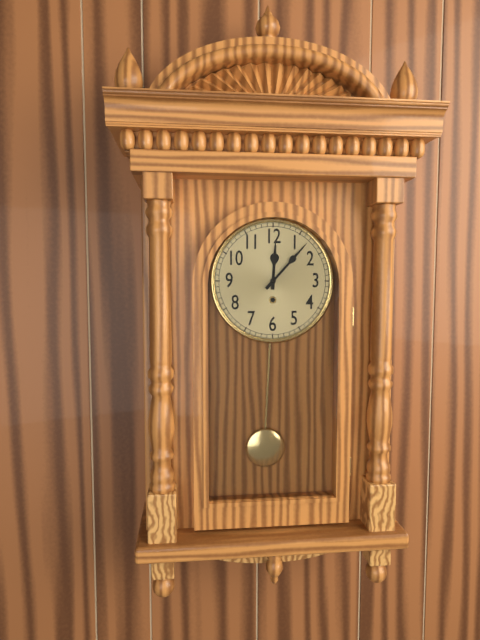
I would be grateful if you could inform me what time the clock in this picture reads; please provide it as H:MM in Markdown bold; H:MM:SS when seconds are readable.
**12:07**
